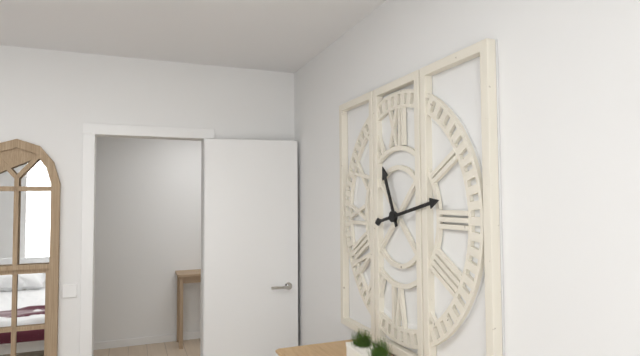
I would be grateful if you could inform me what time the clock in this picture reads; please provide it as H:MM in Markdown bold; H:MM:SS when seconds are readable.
**11:13**
